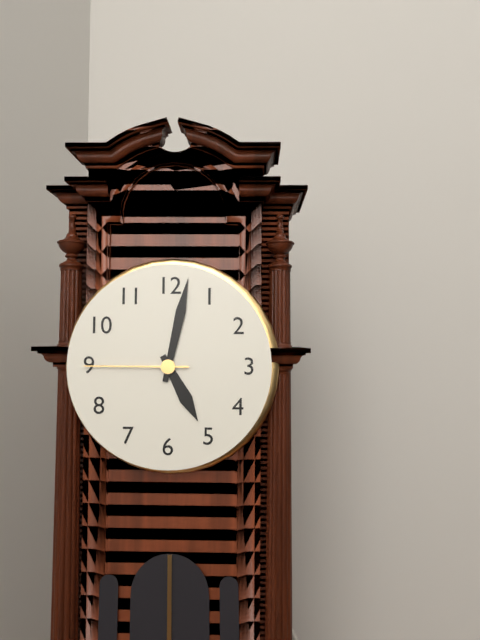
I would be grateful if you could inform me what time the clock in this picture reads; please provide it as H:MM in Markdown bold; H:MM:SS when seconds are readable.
**5:02:45**
